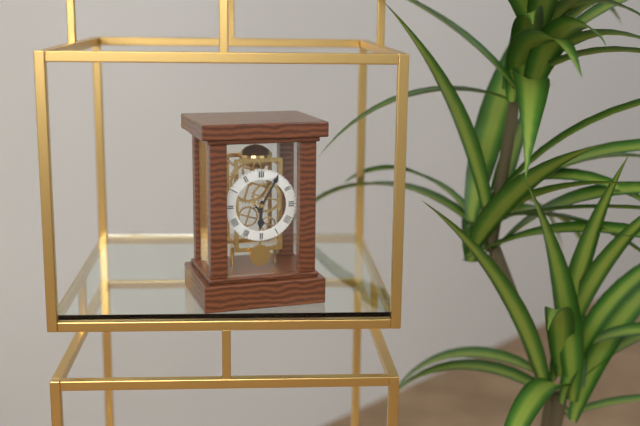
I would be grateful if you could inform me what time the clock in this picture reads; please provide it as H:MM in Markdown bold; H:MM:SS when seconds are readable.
**6:05**
